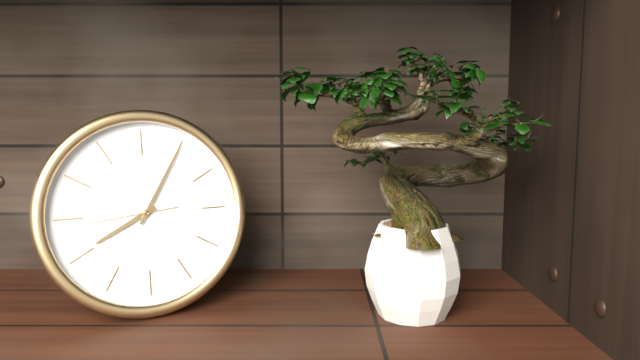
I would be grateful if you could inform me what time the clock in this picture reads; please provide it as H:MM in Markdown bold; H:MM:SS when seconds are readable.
**8:05:44**
